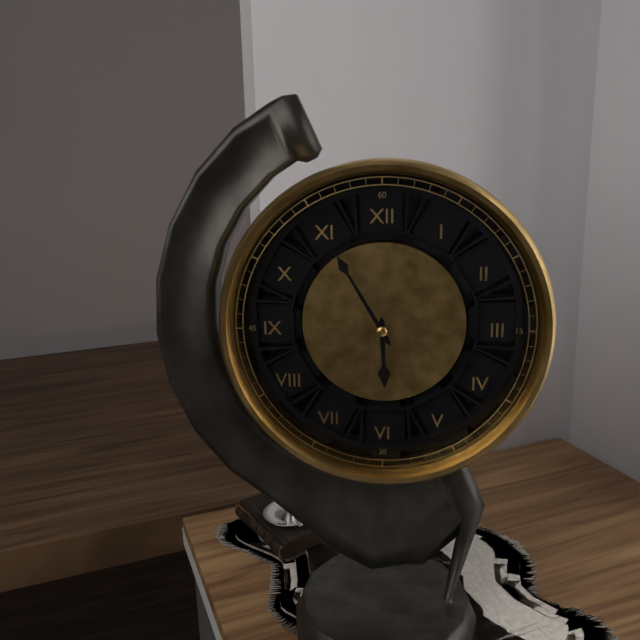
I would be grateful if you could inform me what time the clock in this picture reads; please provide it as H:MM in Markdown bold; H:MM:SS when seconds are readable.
**5:55**
